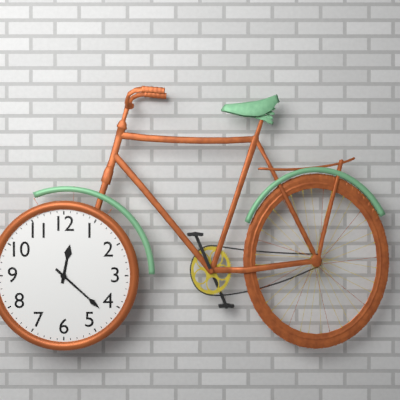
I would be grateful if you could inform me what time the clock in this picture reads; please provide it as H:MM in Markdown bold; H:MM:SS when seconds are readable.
**12:22**
